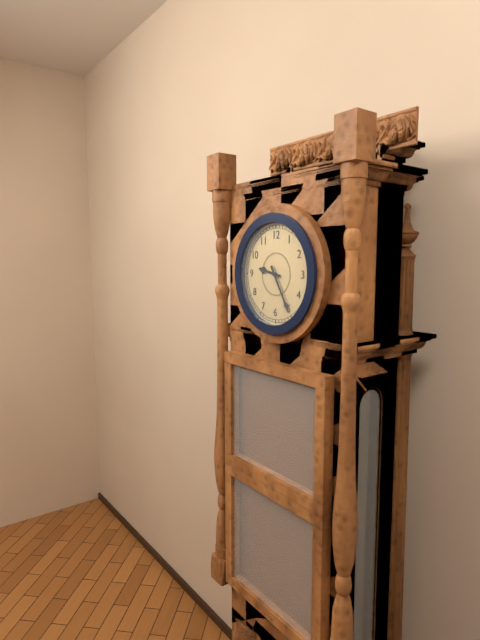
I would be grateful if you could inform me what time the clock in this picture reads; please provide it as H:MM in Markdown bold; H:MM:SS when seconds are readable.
**9:25**
